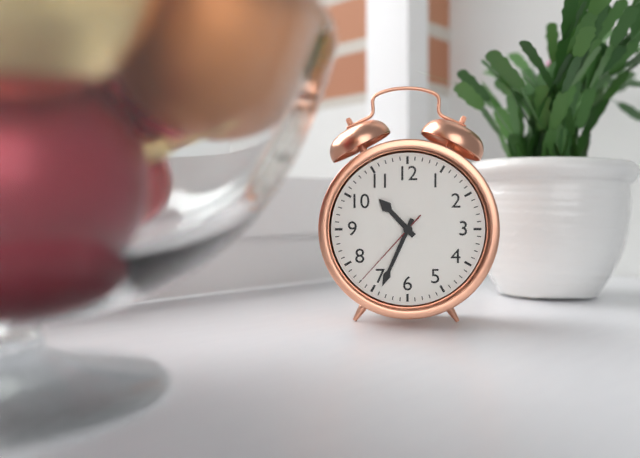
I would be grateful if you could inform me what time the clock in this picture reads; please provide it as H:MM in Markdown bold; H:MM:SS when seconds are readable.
**10:34:37**
